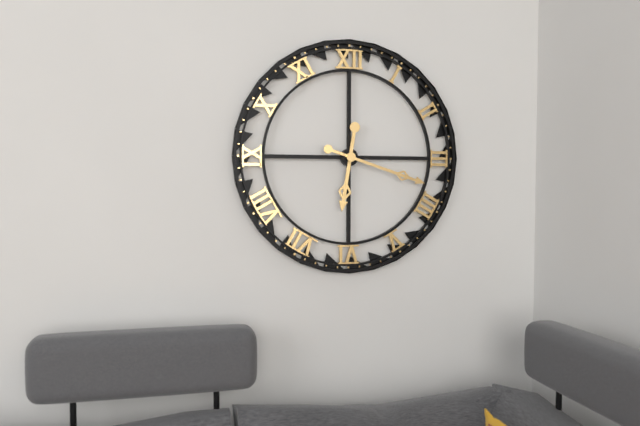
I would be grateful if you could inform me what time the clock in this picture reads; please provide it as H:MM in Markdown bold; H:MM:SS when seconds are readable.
**6:18**
